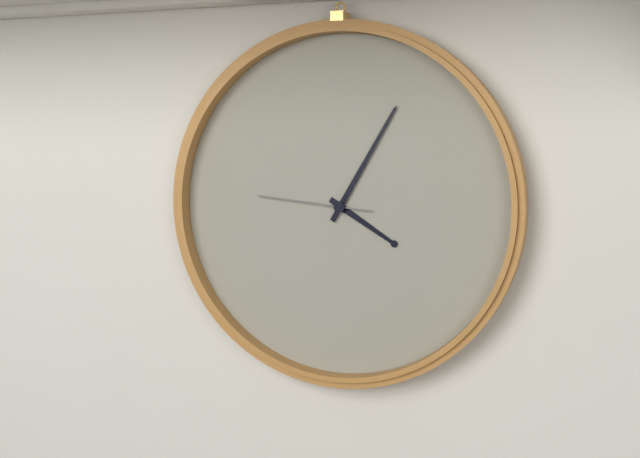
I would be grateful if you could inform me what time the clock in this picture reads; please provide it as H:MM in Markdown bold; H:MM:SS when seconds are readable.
**4:05:46**
